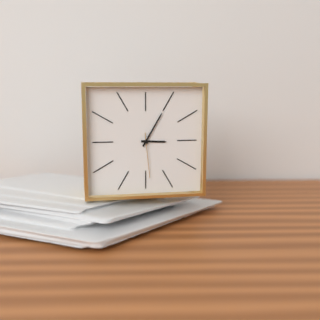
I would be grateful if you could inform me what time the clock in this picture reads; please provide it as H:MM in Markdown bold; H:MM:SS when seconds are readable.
**3:05**
